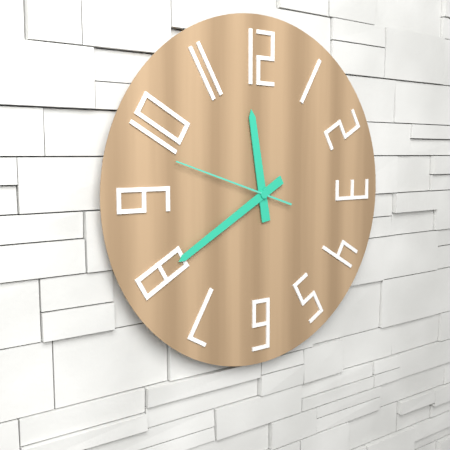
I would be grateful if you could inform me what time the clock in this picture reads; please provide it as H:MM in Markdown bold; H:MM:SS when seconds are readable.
**11:40:48**
